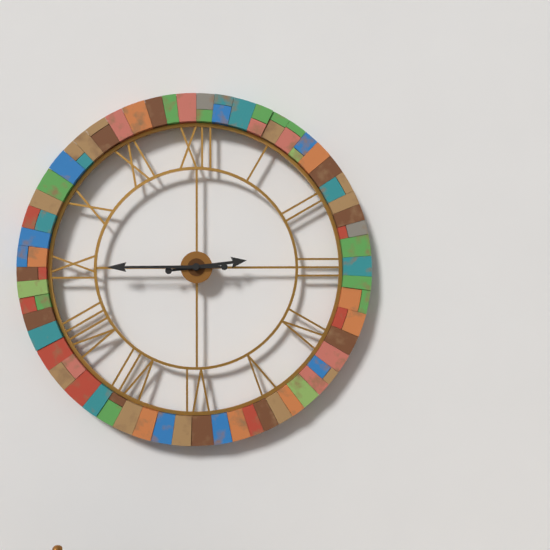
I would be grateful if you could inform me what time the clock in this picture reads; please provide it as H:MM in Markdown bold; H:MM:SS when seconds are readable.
**2:45**
